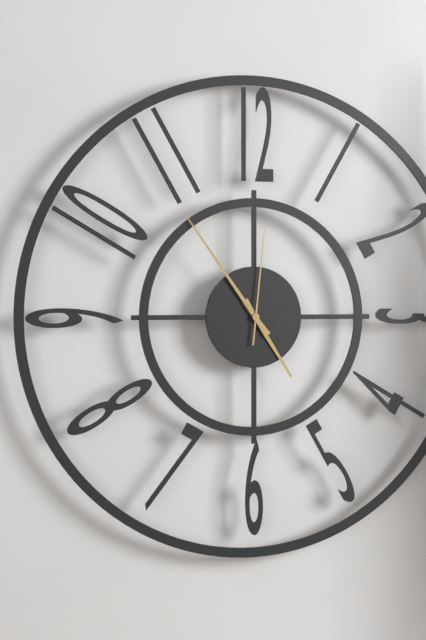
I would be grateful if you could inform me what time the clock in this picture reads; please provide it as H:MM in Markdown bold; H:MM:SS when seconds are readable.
**4:54:01**
